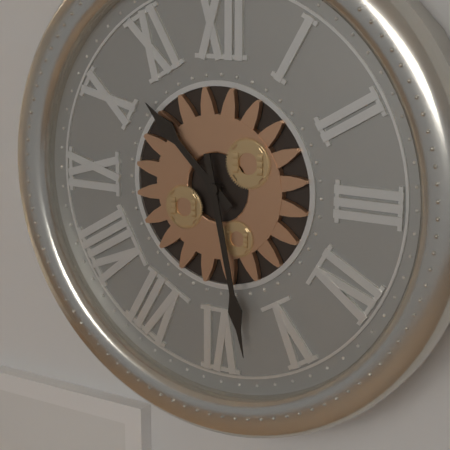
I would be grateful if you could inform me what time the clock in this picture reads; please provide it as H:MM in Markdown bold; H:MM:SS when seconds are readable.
**10:28**
